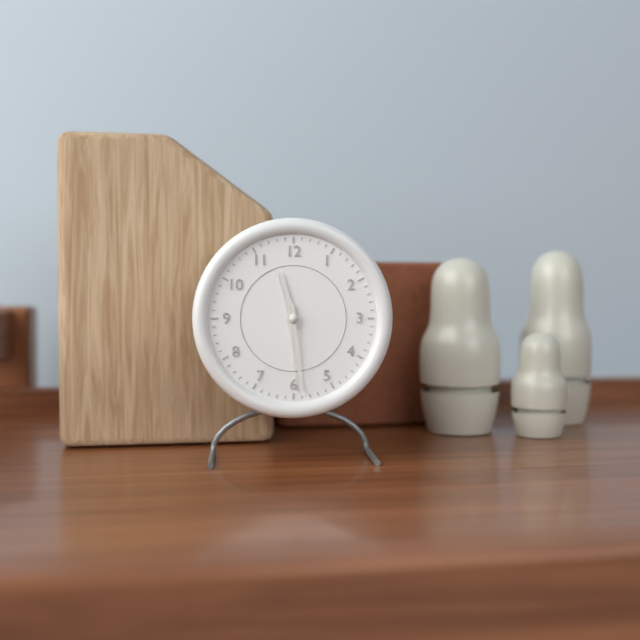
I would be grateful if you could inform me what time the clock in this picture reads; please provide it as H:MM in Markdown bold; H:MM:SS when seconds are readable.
**11:29**
